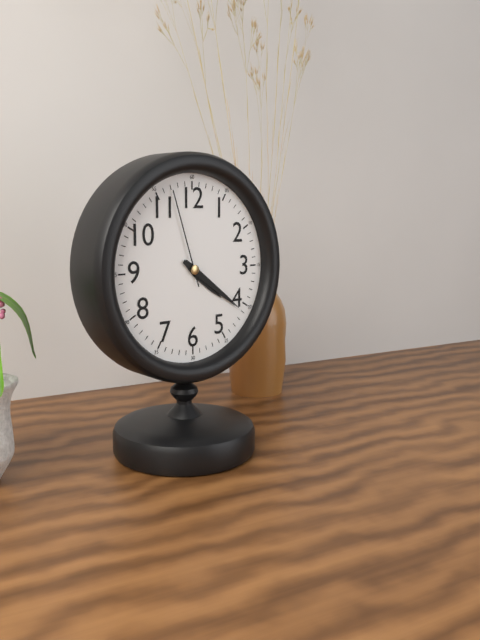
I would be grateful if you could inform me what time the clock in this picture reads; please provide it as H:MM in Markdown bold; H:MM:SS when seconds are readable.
**4:21:57**
